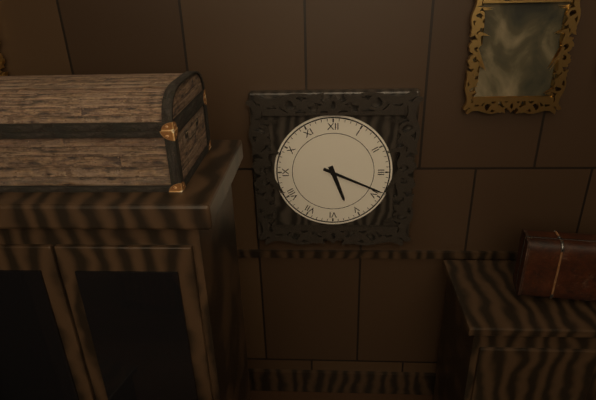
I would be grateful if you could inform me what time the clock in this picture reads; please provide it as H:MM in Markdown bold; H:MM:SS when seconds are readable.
**5:19**
